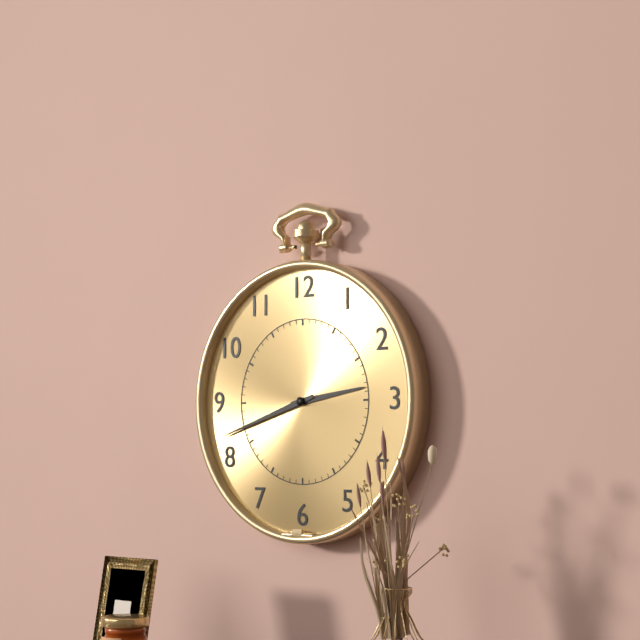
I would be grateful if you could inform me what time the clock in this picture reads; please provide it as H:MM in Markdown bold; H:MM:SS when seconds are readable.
**2:42**
